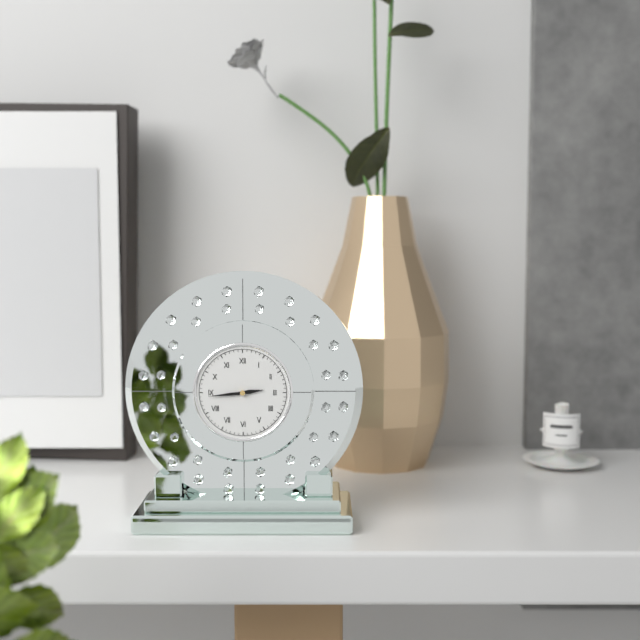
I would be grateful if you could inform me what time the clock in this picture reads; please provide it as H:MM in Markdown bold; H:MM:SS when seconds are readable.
**2:44**
